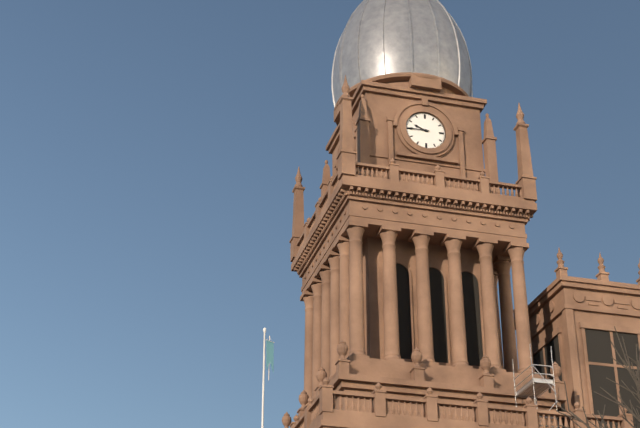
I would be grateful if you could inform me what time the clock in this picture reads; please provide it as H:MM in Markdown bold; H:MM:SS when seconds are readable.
**9:45**
